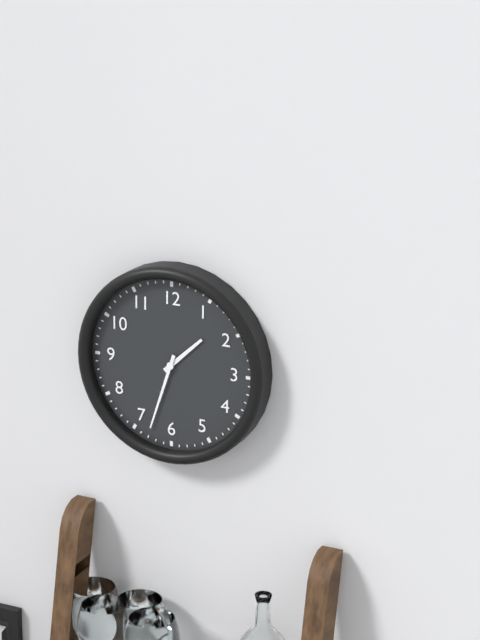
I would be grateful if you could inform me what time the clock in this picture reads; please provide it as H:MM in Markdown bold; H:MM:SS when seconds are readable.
**1:33**
